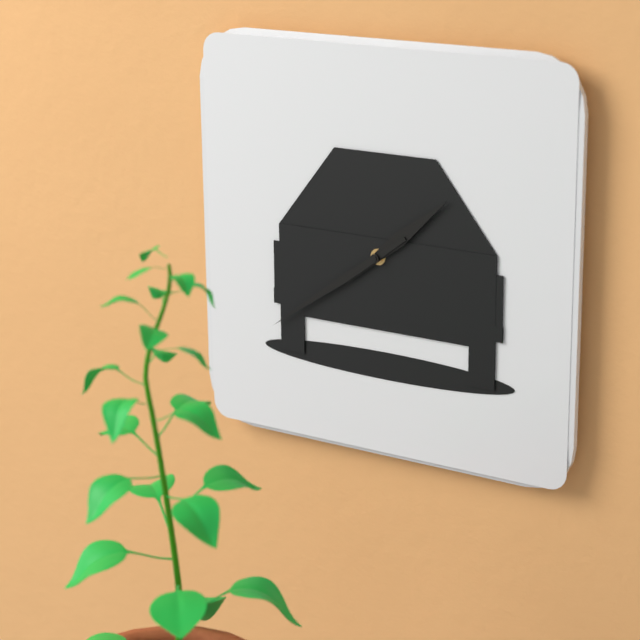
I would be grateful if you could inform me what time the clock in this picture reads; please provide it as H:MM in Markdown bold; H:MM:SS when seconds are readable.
**1:39**
